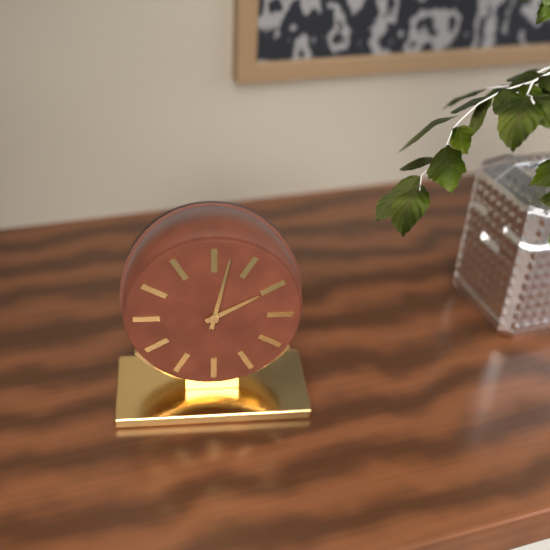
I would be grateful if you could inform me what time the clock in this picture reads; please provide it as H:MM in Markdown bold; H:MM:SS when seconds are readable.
**2:02**
